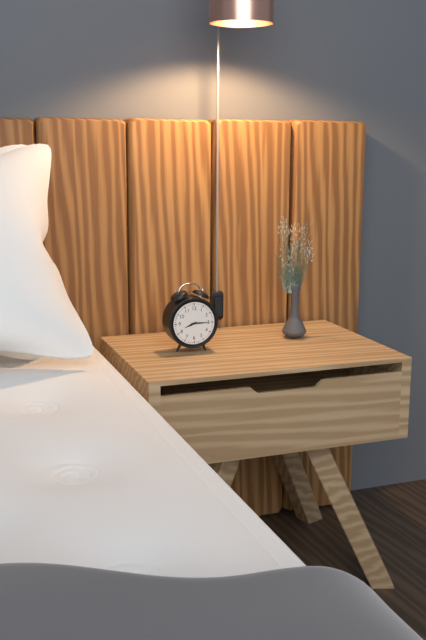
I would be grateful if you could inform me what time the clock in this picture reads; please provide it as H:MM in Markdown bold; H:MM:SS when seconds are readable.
**8:15**
